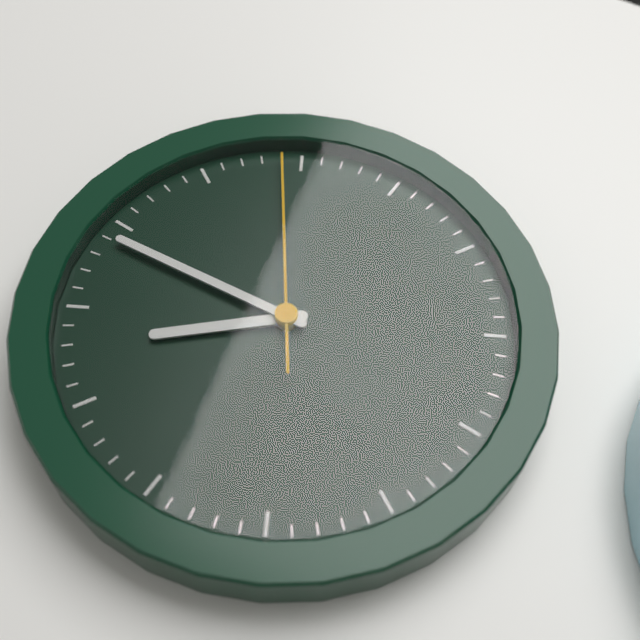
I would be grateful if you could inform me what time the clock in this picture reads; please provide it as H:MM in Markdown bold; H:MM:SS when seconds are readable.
**5:34:44**
